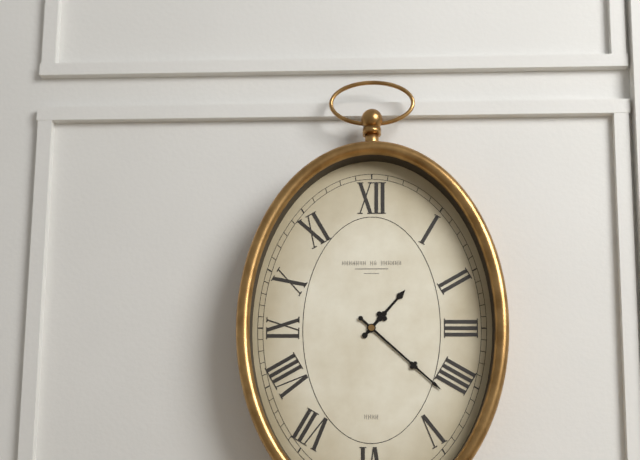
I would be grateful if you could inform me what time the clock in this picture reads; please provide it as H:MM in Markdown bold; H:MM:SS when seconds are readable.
**1:22**
